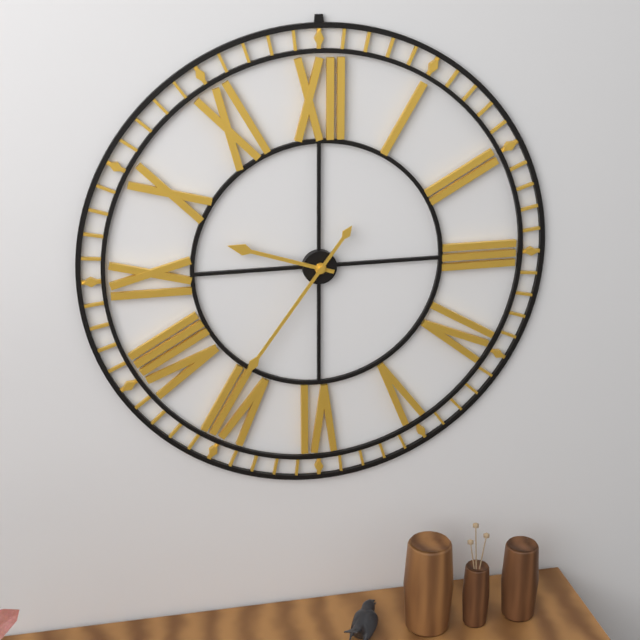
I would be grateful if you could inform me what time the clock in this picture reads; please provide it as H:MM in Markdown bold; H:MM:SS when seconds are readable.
**9:36**
